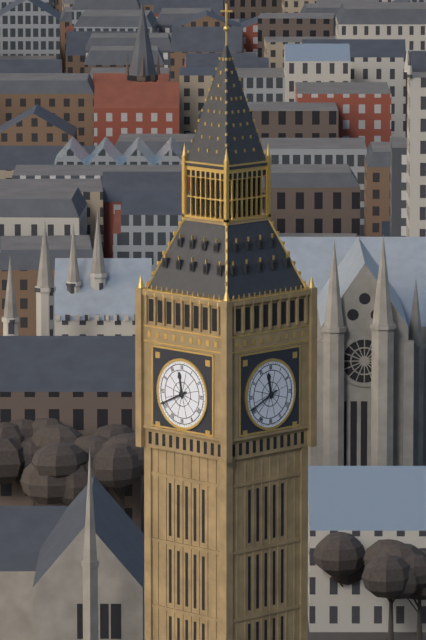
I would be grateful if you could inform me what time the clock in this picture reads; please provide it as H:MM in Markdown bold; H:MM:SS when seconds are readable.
**11:41**
